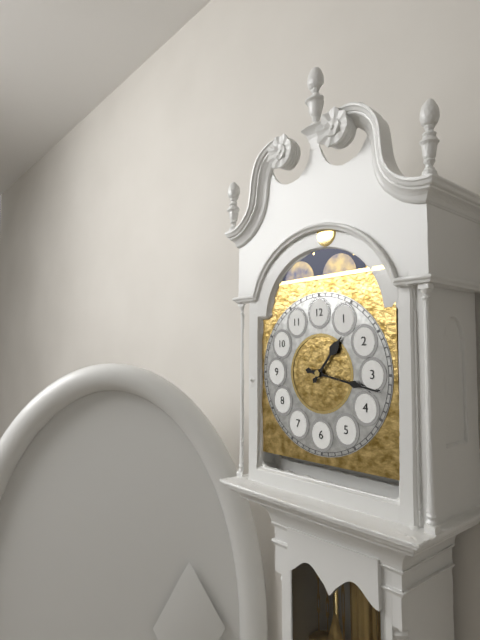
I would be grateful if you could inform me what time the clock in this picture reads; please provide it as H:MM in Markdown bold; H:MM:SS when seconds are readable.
**1:17**
